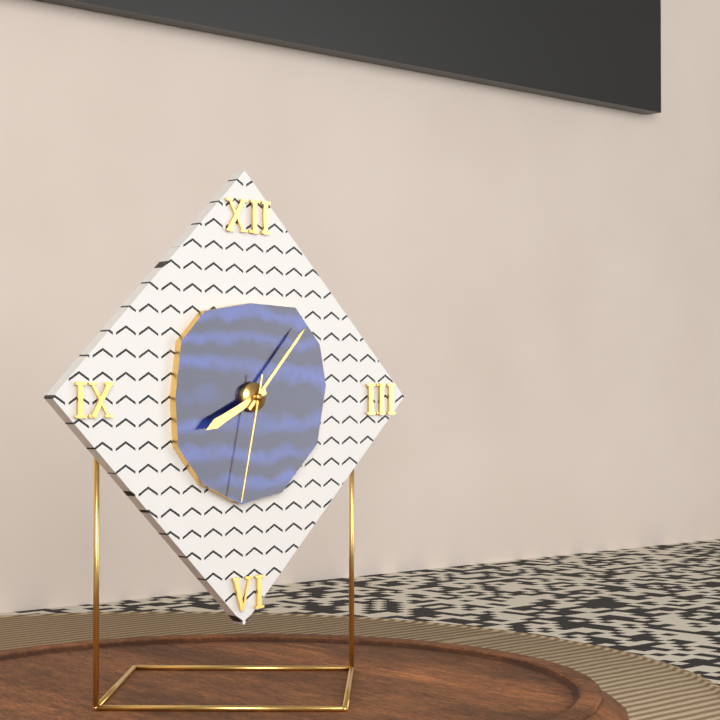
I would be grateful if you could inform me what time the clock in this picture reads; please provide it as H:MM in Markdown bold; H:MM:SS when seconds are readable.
**8:07:32**
